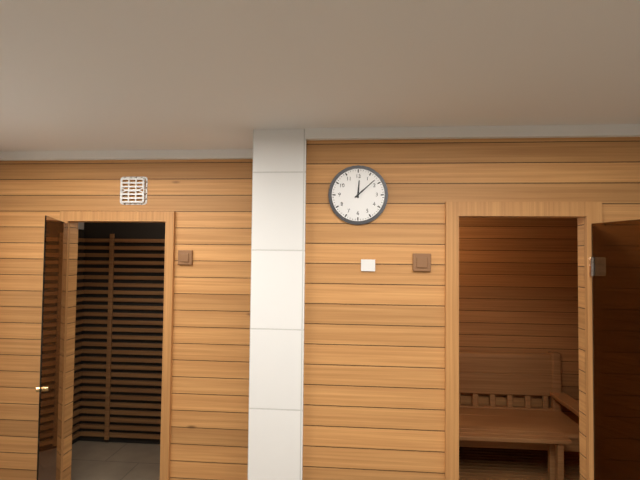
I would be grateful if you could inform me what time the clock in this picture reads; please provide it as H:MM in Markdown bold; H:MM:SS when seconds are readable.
**12:08**
